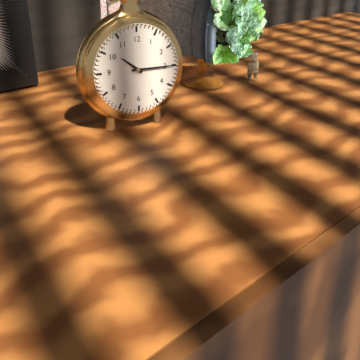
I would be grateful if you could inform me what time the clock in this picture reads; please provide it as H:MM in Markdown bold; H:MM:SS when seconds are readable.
**10:15**
